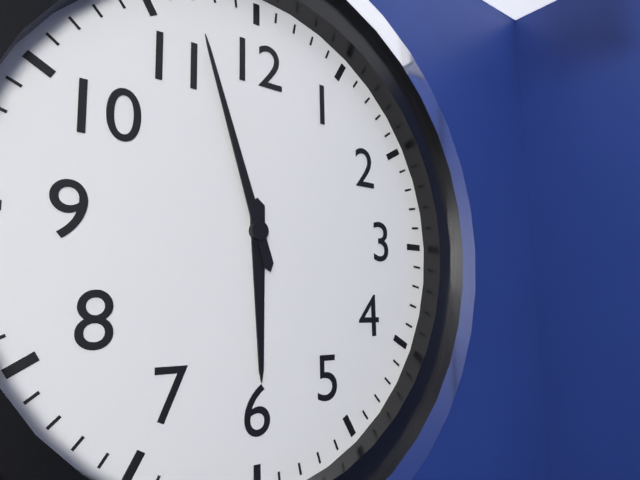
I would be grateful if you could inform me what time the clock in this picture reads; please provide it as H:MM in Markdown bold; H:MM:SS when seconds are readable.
**5:57**
